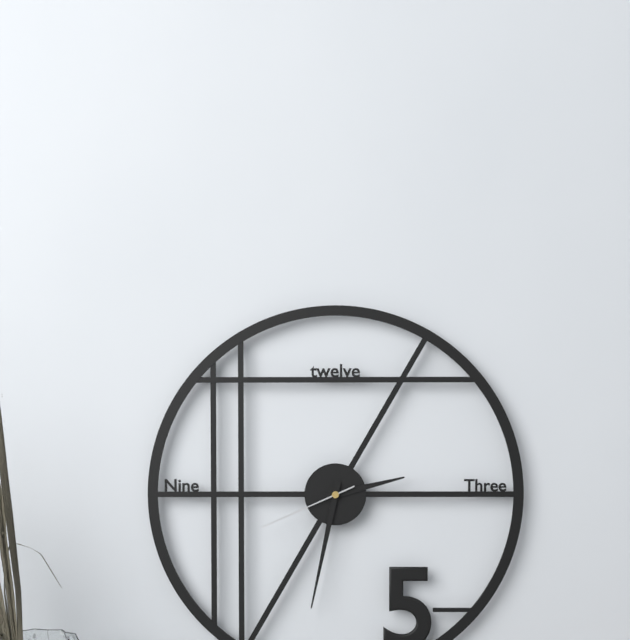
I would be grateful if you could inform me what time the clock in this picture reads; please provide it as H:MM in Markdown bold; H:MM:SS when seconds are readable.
**2:32:41**
